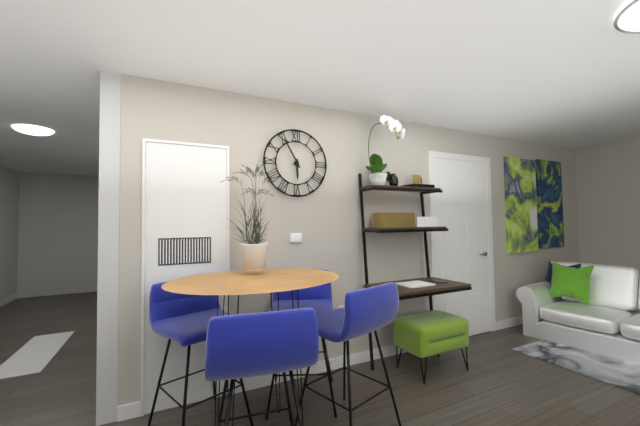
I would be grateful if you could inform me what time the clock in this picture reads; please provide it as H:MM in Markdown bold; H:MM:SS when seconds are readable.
**5:55**
